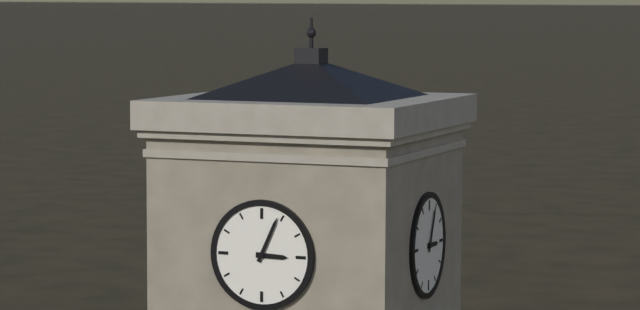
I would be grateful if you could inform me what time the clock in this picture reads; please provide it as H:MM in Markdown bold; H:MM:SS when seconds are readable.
**3:04**
